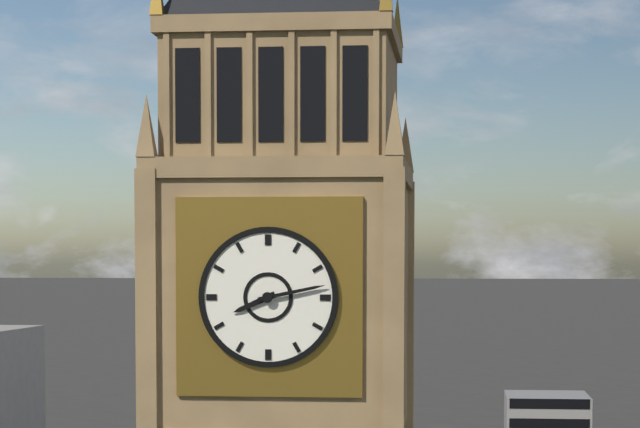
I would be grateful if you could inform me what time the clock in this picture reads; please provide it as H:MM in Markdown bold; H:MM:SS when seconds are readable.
**8:13**
